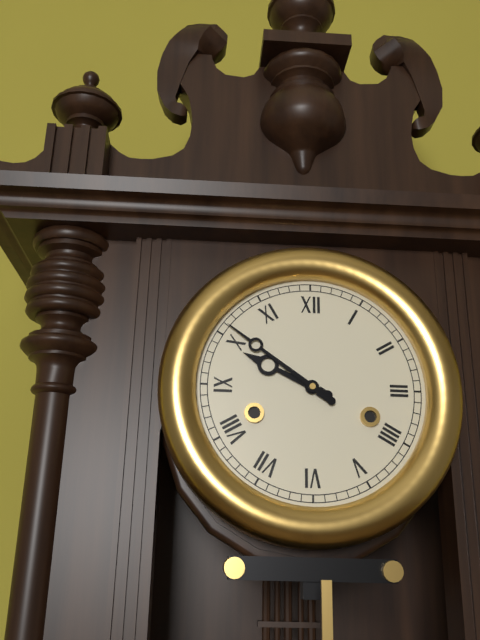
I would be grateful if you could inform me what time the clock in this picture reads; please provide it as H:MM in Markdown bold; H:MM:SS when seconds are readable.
**9:51**
